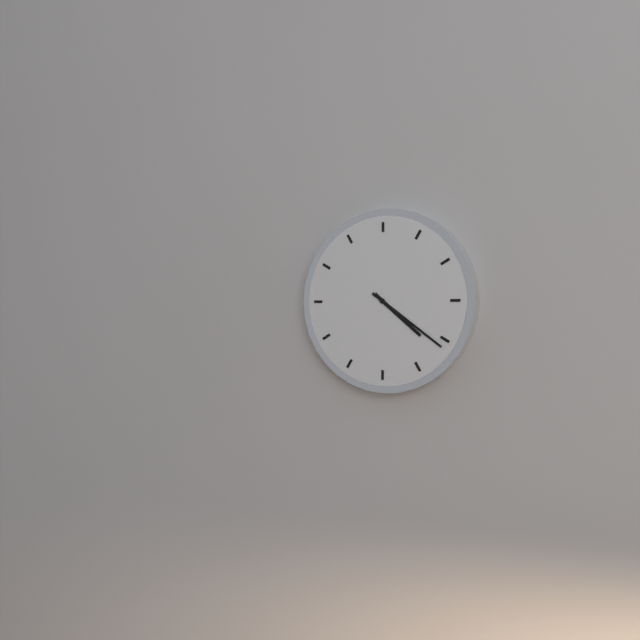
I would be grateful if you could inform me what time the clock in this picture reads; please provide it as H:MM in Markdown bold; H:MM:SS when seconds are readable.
**4:21**
